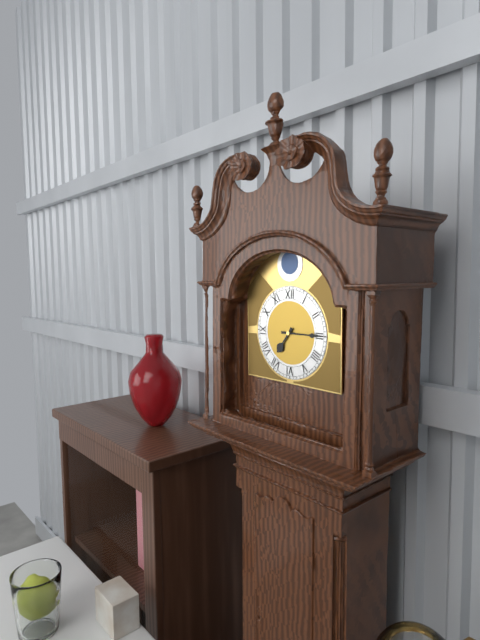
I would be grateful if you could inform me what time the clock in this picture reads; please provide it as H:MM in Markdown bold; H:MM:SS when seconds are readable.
**7:15**
